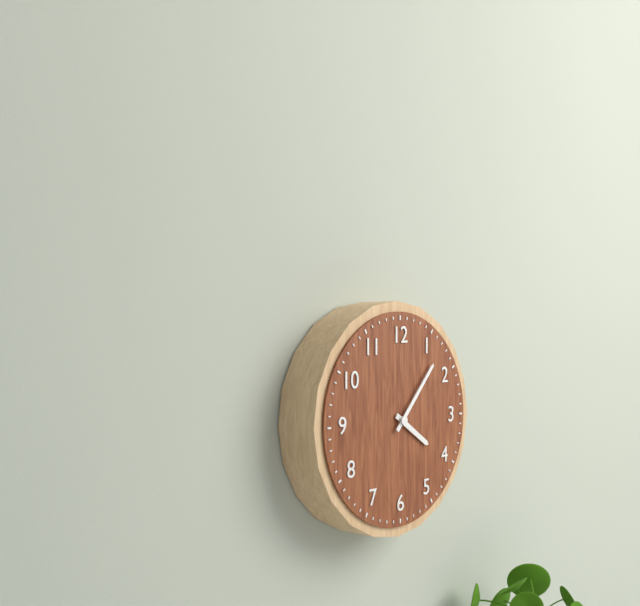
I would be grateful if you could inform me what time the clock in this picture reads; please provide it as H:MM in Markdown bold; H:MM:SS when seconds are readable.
**4:07**
